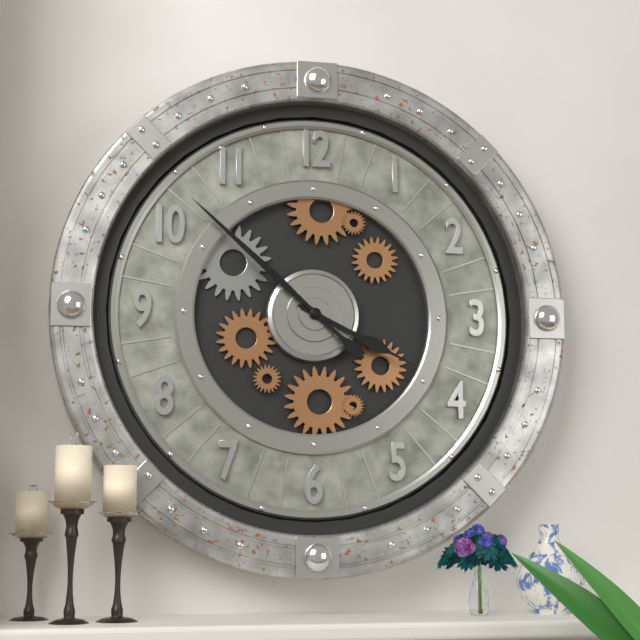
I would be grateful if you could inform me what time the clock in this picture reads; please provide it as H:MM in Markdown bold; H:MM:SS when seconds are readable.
**3:52**
